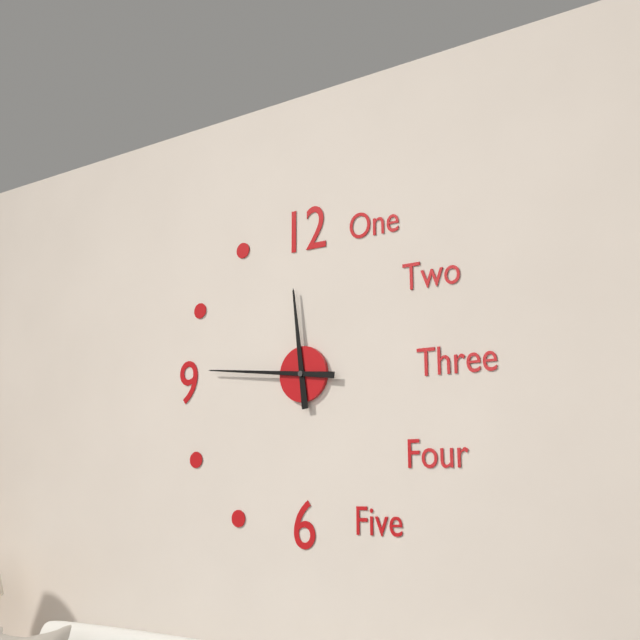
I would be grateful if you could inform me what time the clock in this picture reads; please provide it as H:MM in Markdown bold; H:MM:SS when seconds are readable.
**11:46**
